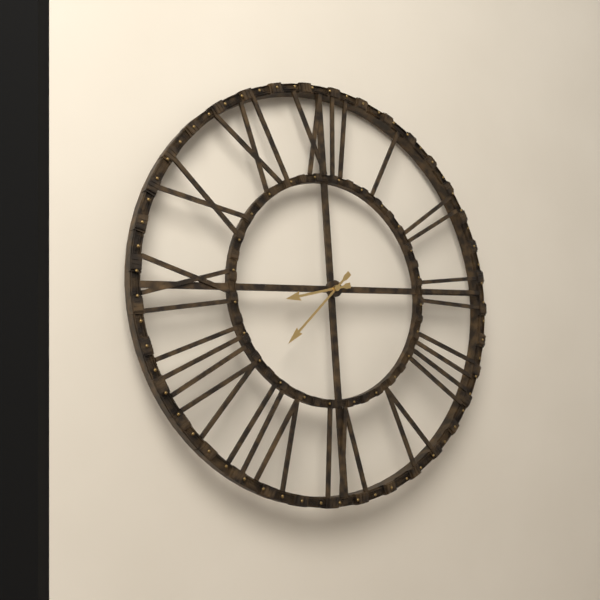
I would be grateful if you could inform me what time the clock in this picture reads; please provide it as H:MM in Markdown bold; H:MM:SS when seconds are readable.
**8:38**
